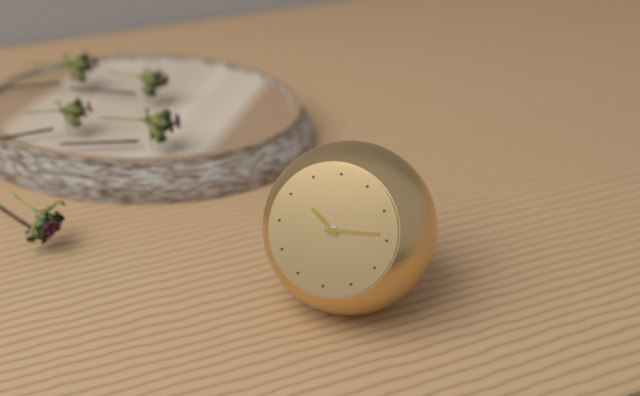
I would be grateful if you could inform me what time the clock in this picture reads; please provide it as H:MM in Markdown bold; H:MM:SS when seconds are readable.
**10:14**
